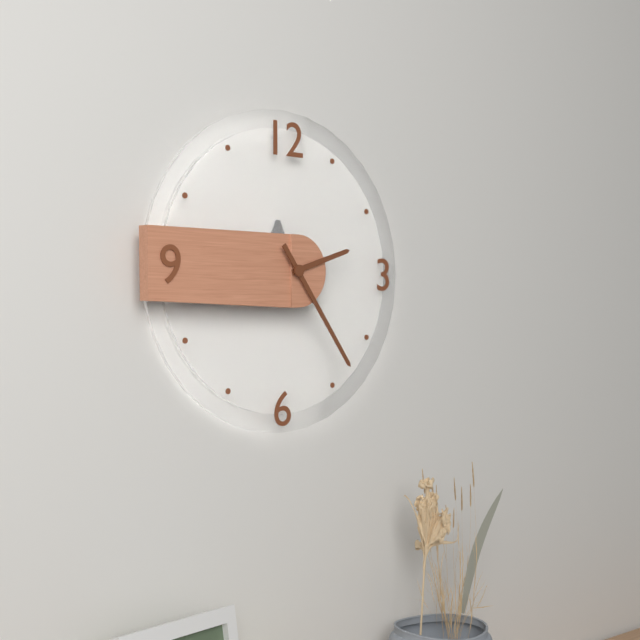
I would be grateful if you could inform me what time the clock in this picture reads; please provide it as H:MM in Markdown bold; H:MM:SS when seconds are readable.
**2:24**
